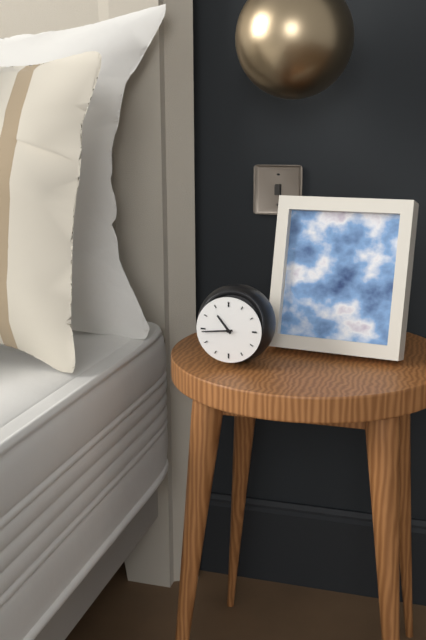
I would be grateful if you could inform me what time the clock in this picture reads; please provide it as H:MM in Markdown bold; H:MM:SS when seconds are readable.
**10:44**
